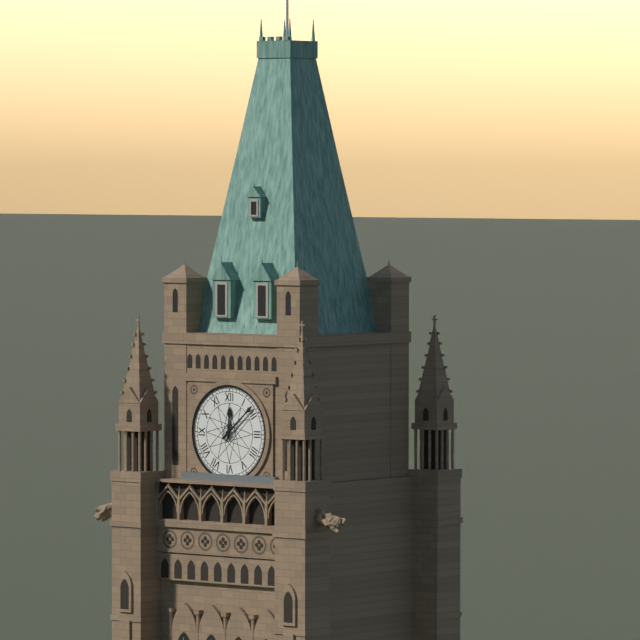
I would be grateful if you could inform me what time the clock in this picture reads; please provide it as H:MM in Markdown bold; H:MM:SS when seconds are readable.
**12:08**
